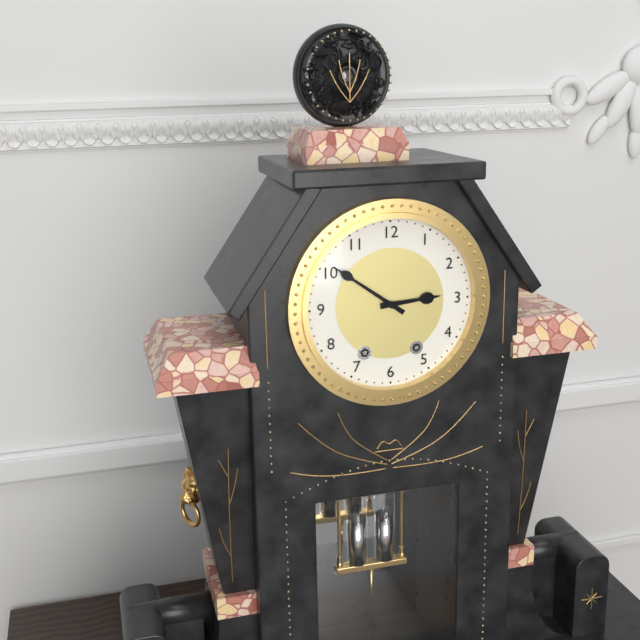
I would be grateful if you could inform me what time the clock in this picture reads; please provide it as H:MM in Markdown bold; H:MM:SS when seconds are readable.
**2:51**
